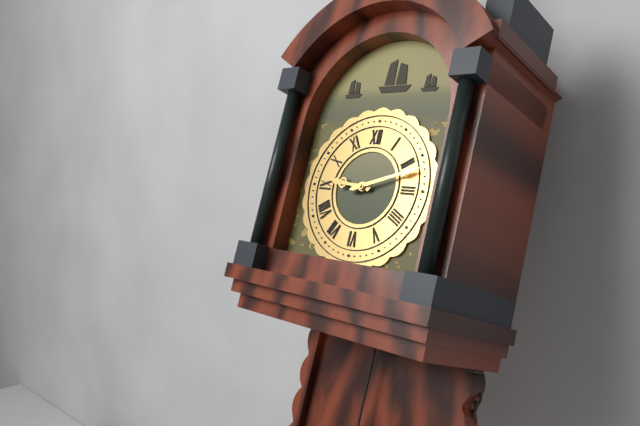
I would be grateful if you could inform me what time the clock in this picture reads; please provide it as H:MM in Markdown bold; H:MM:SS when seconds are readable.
**9:12**
